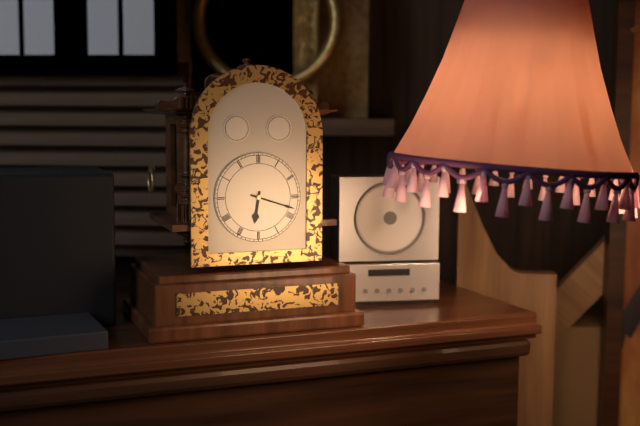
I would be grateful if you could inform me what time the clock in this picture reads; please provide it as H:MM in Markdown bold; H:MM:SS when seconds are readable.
**6:18**
